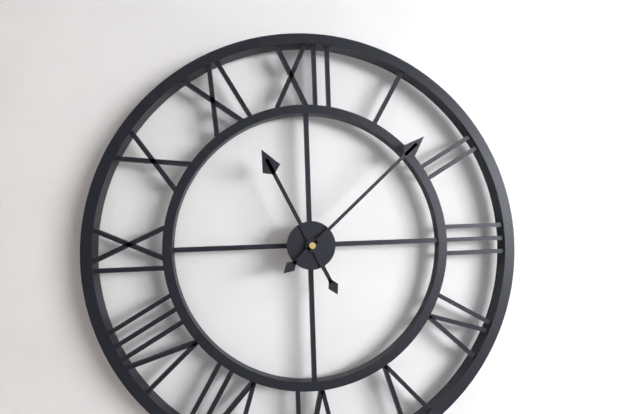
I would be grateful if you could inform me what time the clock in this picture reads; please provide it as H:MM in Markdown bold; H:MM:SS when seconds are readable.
**11:08**
